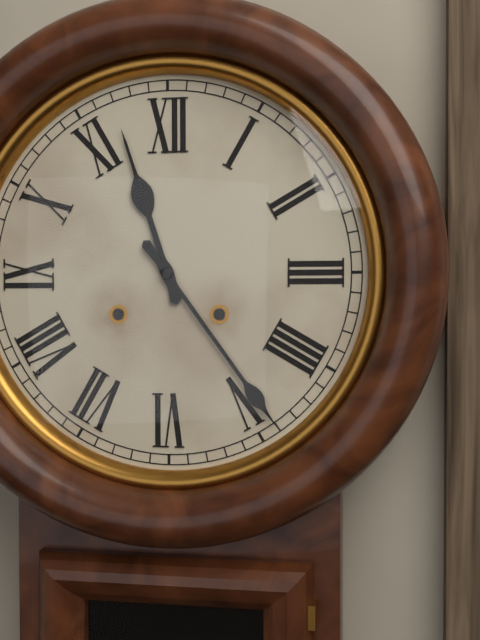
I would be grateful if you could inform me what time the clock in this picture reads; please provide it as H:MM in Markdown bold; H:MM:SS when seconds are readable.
**11:24**
